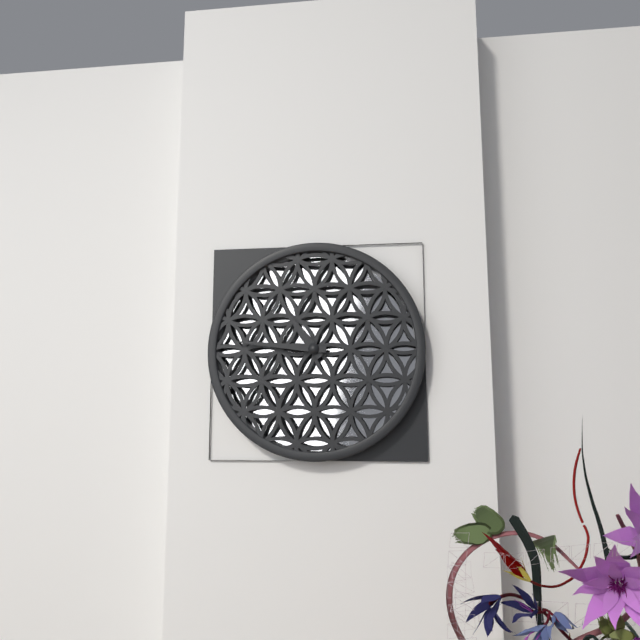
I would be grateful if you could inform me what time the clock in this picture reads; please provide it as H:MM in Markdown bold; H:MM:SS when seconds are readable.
**10:46**
